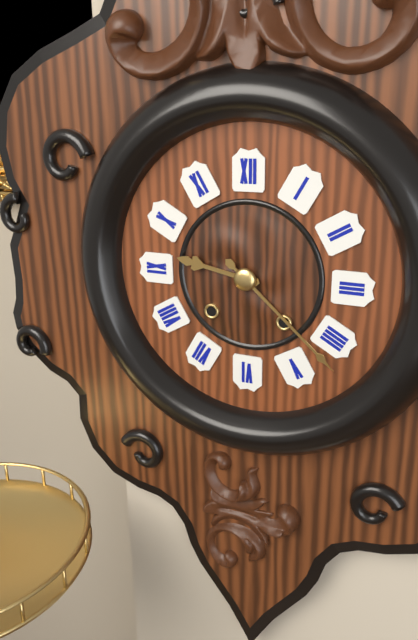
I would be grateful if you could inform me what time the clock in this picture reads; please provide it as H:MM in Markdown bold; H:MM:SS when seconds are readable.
**9:22**
